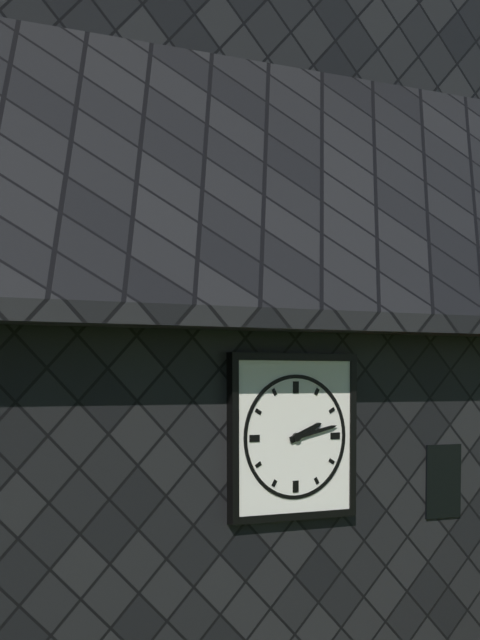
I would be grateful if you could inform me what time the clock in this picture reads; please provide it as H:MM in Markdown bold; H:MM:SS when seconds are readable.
**2:13**
